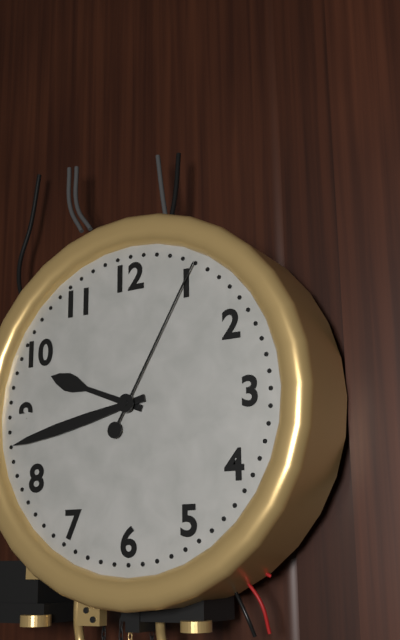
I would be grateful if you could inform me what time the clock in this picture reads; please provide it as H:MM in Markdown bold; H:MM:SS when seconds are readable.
**9:43:05**
